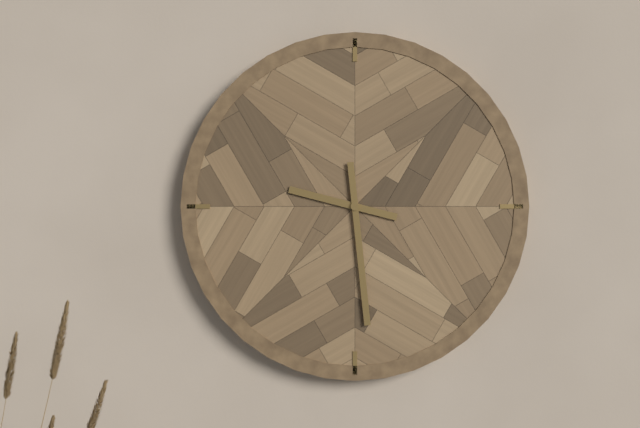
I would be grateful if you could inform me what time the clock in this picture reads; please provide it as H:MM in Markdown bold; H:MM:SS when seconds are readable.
**9:29**
